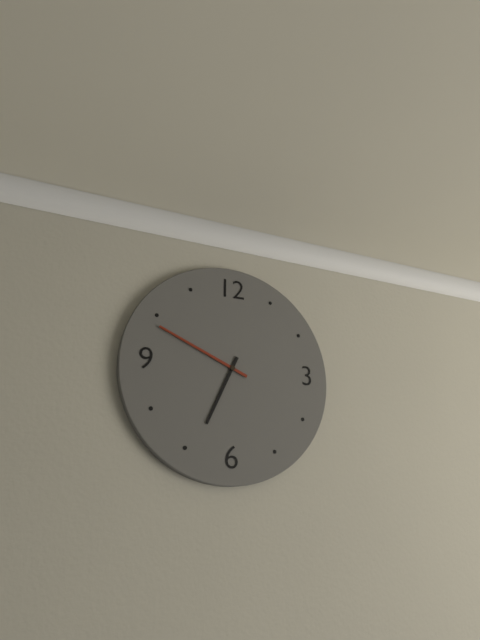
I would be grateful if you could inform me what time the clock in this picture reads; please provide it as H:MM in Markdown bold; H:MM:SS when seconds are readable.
**6:49**
